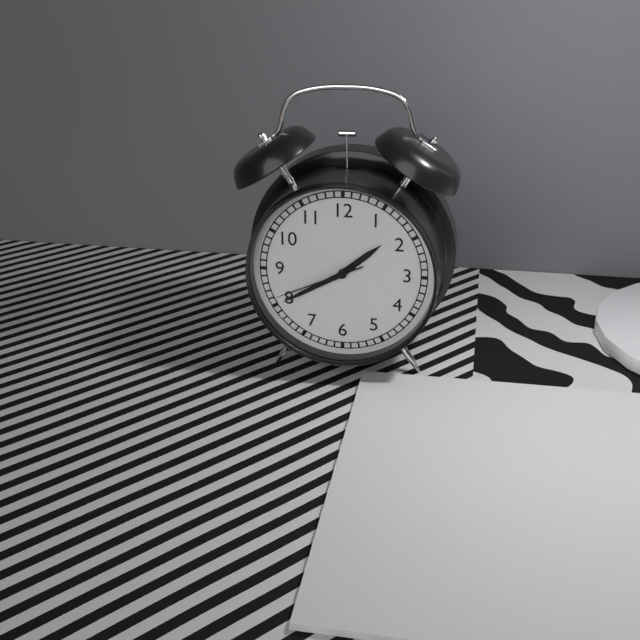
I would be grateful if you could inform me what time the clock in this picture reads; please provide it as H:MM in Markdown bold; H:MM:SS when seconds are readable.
**1:40:41**
